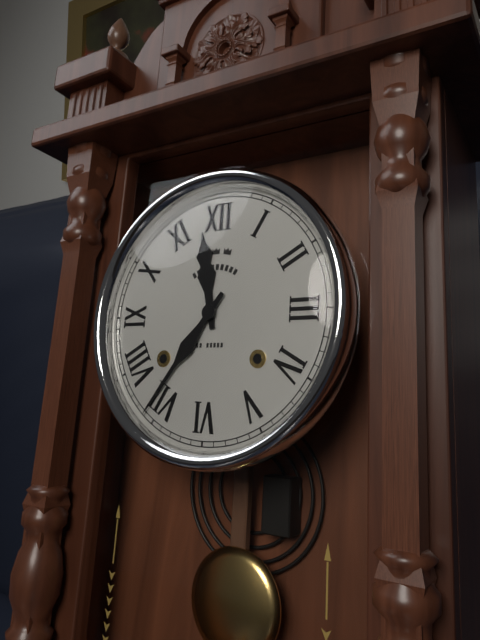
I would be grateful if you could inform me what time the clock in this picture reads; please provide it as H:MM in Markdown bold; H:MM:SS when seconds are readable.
**11:36**
